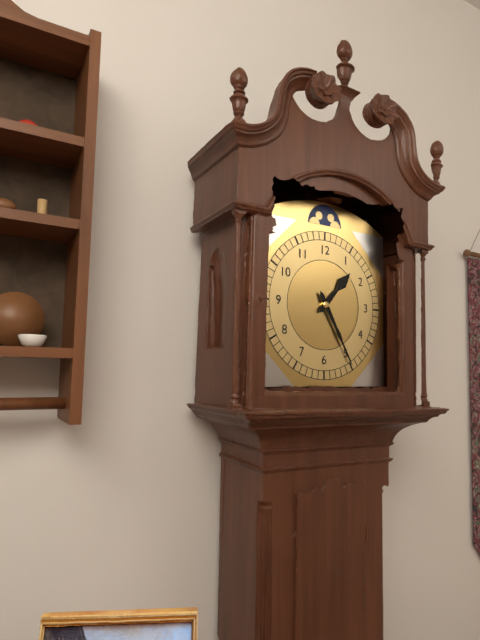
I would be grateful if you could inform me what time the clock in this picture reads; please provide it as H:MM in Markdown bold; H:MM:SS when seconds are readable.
**1:25**
